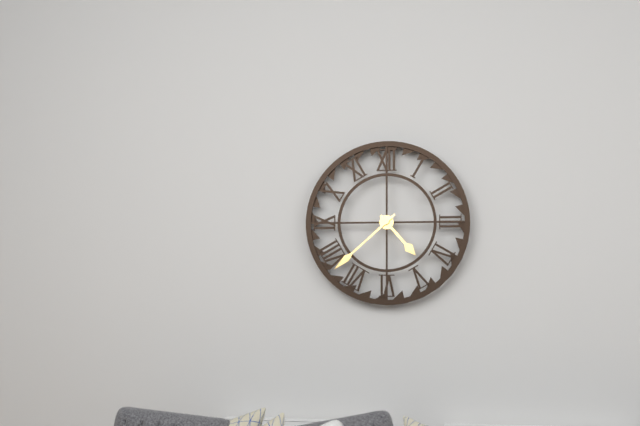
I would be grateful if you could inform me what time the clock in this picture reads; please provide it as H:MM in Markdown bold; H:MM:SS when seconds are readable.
**4:38**
